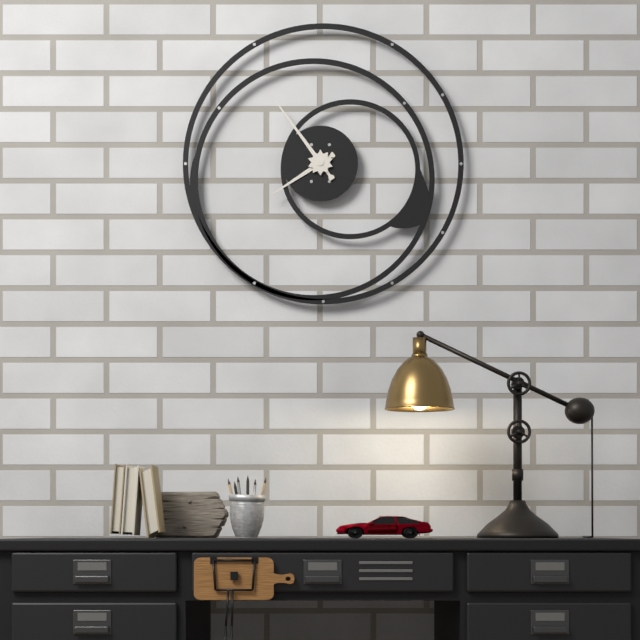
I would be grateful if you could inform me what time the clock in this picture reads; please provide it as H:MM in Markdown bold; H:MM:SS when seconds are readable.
**7:54**
